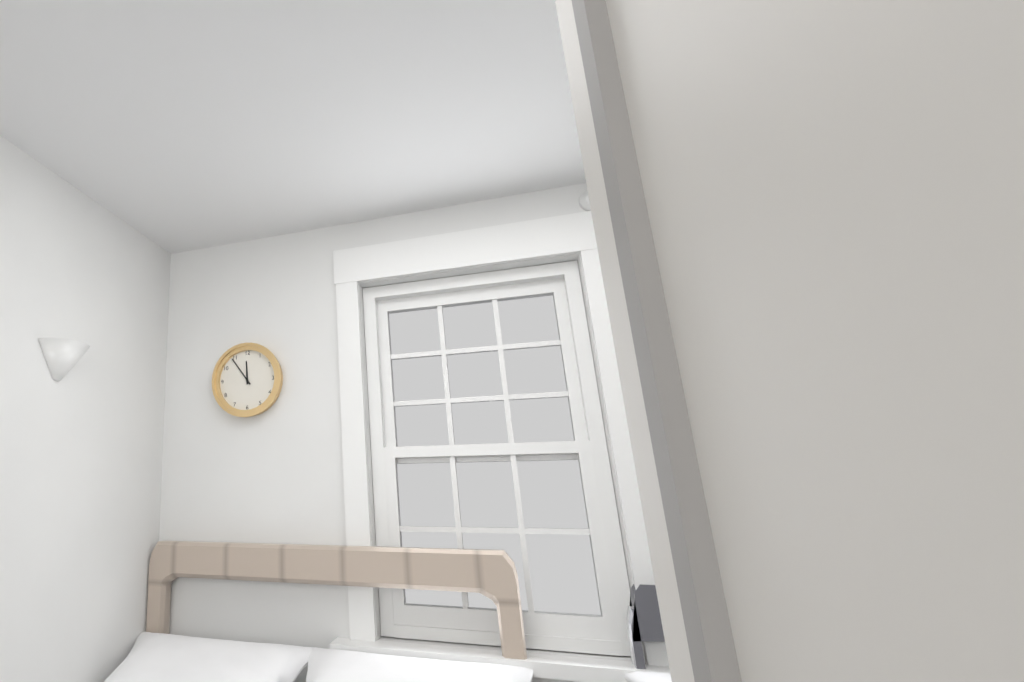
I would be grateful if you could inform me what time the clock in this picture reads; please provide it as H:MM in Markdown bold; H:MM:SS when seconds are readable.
**11:54**
